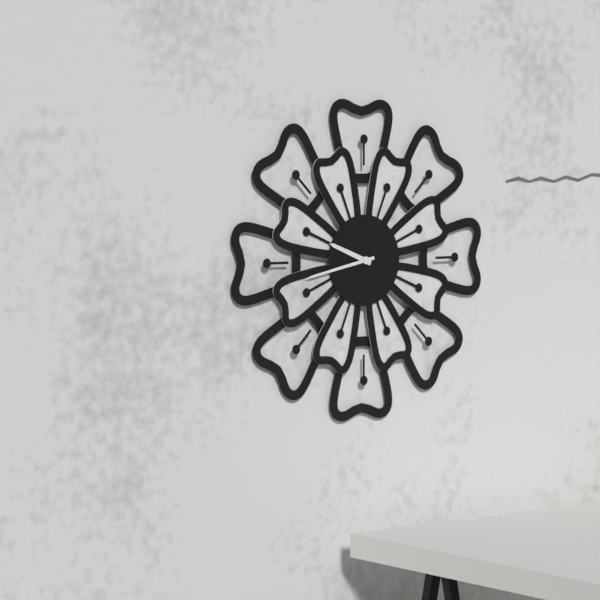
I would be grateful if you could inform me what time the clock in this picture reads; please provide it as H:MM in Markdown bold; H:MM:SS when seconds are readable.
**9:43**
